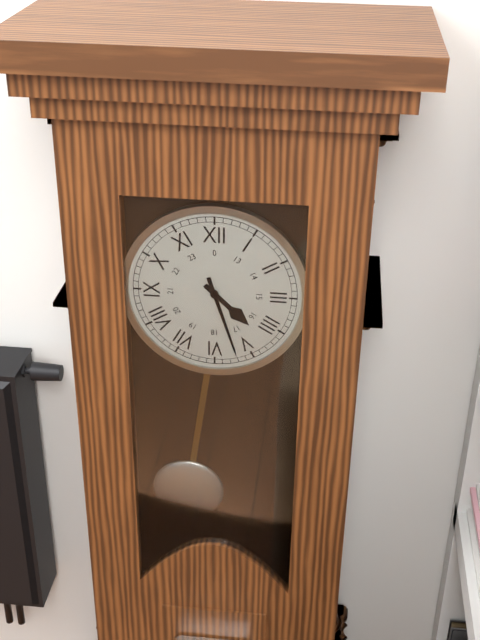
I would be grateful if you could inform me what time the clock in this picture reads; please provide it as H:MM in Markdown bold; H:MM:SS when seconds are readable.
**4:27**
